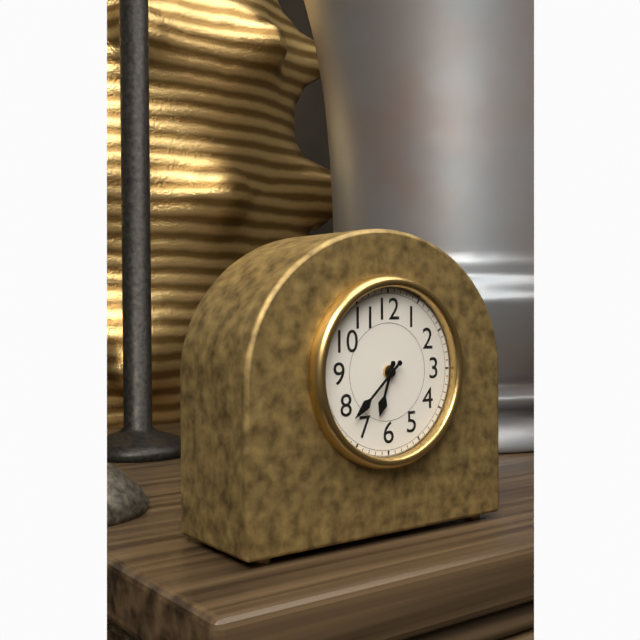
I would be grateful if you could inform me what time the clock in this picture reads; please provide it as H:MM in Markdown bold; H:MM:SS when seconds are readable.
**6:38**
